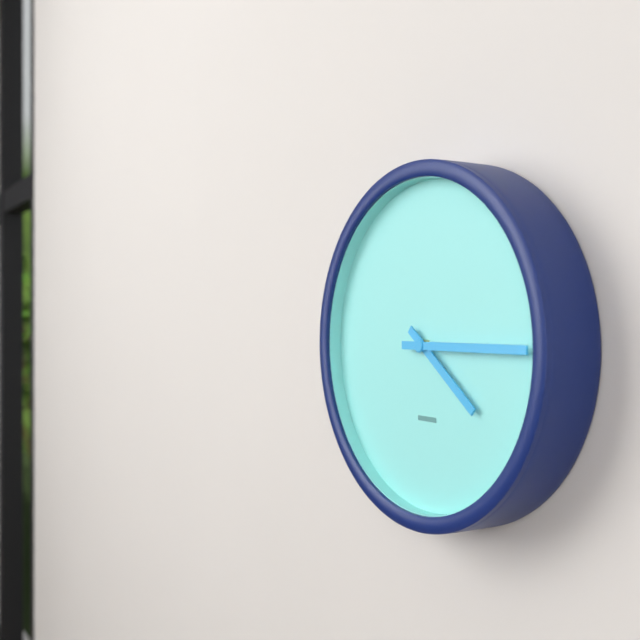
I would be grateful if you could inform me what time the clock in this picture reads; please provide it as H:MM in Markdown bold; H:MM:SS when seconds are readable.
**4:15**
